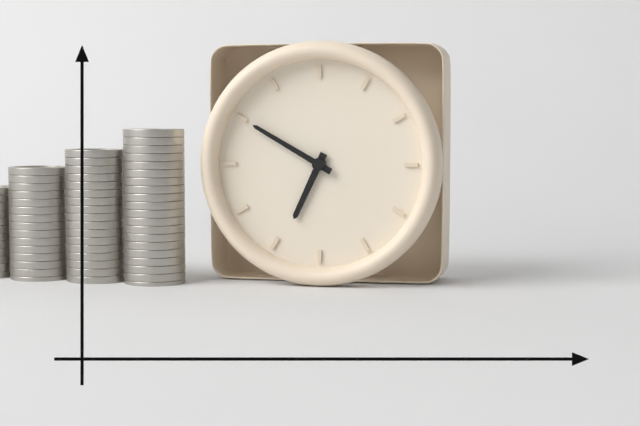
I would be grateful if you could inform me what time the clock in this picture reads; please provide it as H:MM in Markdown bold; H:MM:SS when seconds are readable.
**6:50**
